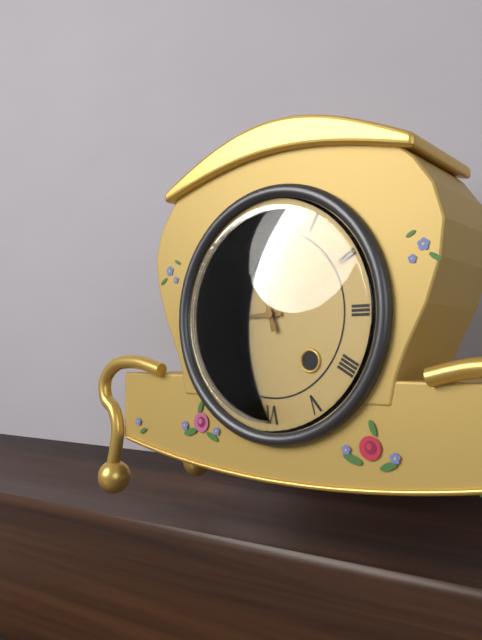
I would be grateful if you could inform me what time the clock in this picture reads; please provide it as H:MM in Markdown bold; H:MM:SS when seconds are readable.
**8:57**
